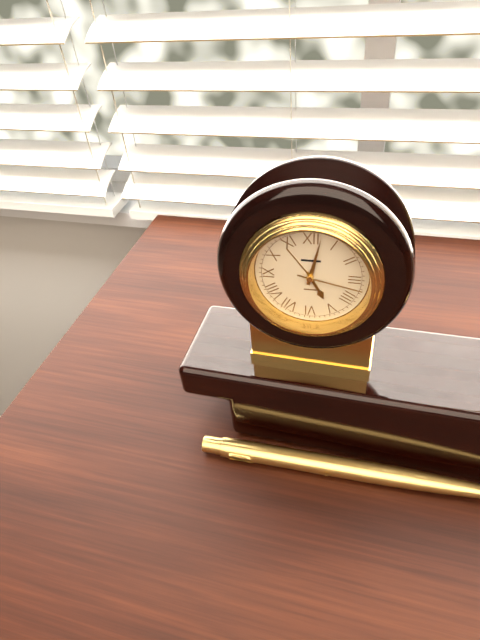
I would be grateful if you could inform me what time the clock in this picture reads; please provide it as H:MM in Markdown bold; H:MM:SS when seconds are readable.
**5:02:17**
